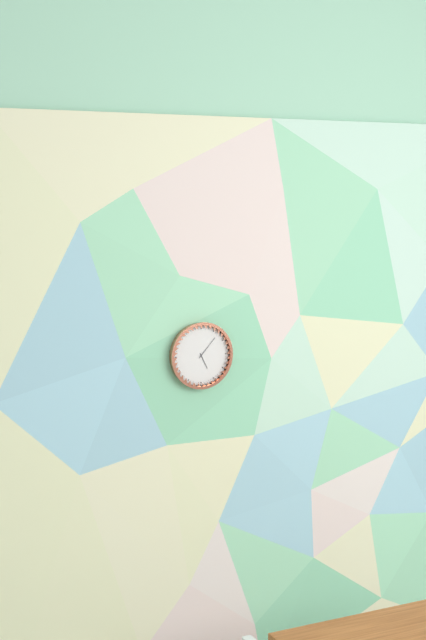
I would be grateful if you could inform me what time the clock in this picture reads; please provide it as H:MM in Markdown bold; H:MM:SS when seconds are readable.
**5:07**
